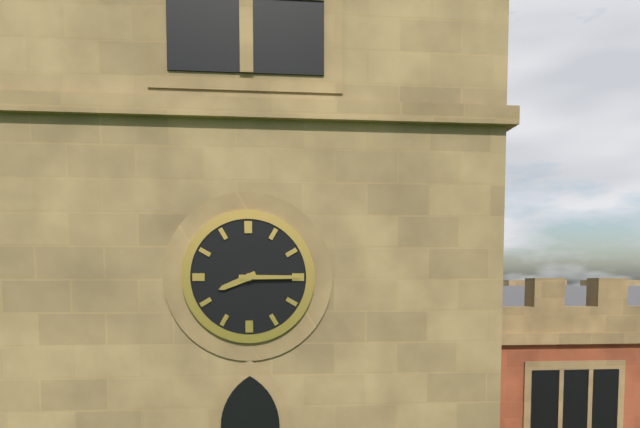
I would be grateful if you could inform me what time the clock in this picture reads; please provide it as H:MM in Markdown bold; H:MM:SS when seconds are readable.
**8:15**
